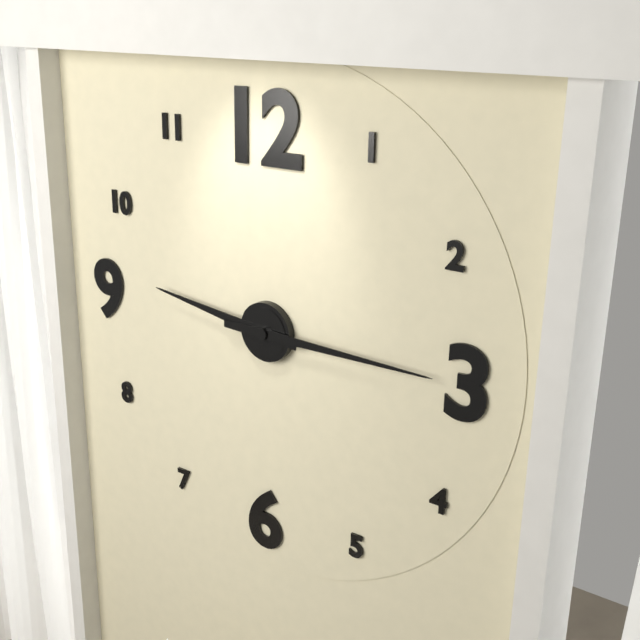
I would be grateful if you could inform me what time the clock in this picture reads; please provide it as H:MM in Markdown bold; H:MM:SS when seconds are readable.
**9:15**
